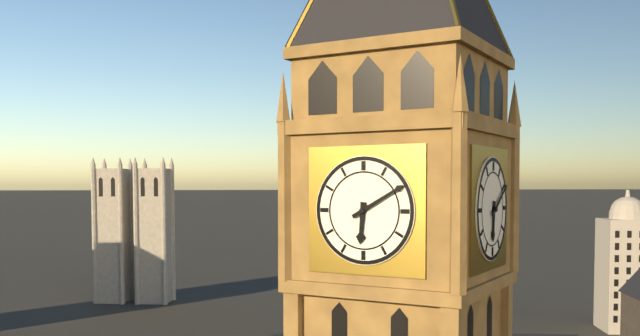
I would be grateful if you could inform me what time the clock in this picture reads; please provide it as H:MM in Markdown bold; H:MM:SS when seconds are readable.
**6:10**
